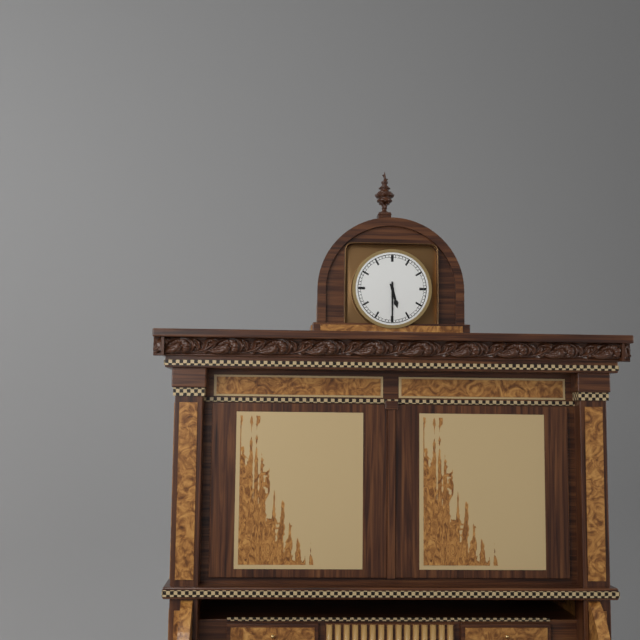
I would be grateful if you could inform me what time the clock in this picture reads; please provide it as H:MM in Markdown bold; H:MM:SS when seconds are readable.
**5:30**
